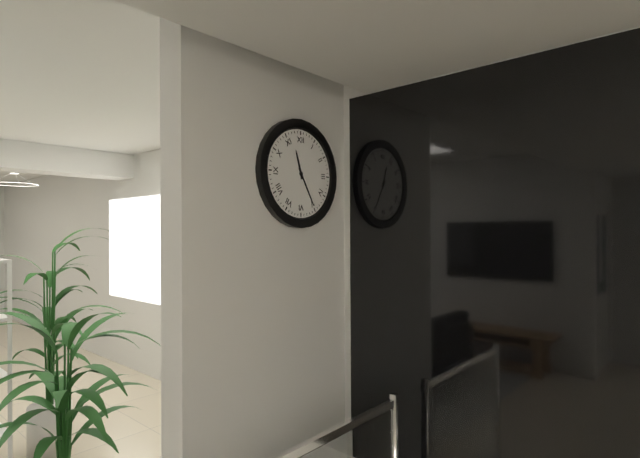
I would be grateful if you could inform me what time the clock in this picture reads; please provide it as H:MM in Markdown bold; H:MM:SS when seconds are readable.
**11:25**
